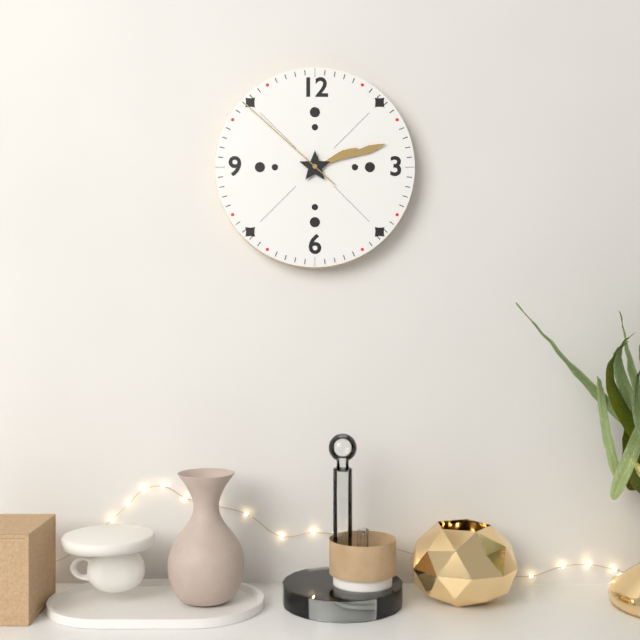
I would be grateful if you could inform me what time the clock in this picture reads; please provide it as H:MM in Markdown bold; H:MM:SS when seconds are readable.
**2:12:52**
